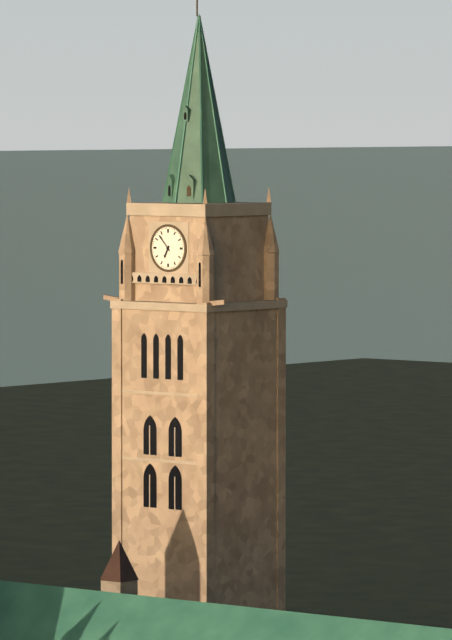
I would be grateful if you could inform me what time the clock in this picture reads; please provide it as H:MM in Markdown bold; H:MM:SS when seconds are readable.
**6:53**
